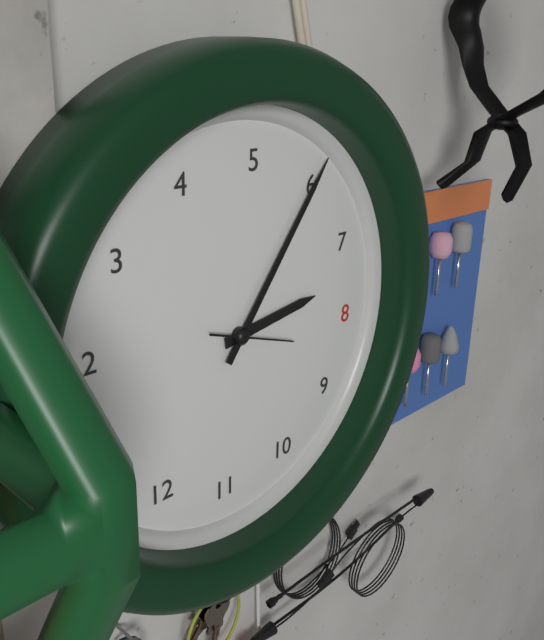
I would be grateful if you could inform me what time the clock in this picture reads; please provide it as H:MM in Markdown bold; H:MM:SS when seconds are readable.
**7:30:42**
